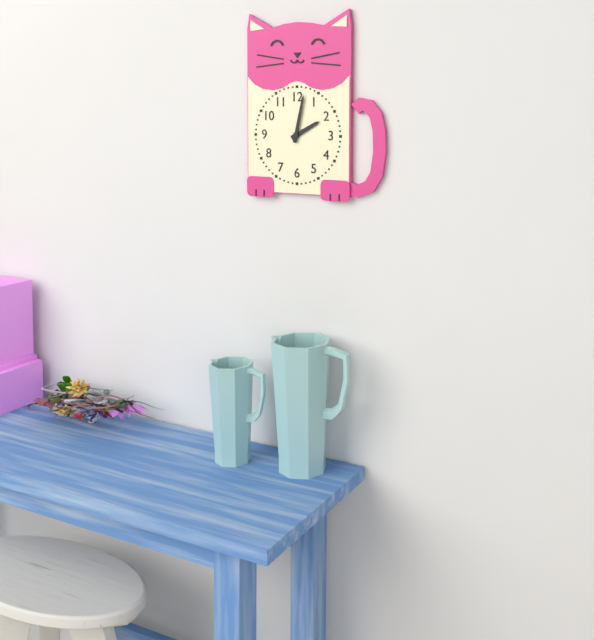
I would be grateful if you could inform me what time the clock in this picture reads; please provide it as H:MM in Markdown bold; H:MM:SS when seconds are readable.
**2:02**
